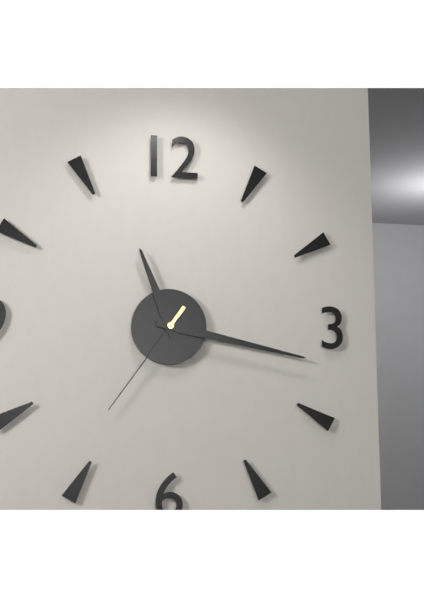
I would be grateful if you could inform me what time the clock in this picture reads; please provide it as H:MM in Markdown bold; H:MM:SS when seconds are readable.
**11:17:36**
